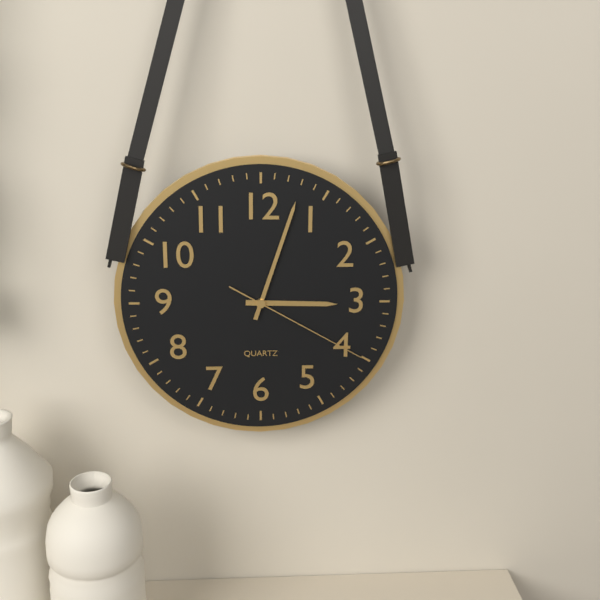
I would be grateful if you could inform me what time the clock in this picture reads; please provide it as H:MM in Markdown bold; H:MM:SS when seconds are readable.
**3:03:20**
